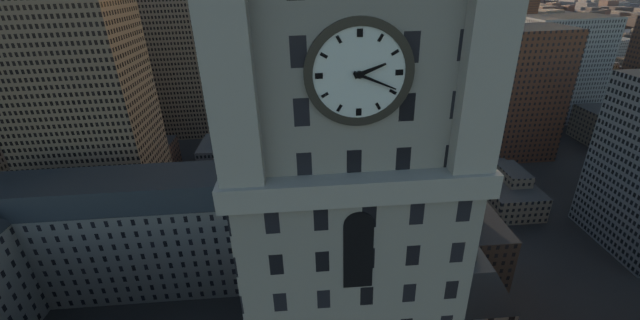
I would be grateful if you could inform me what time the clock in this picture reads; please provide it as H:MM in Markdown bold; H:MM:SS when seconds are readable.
**2:19**
